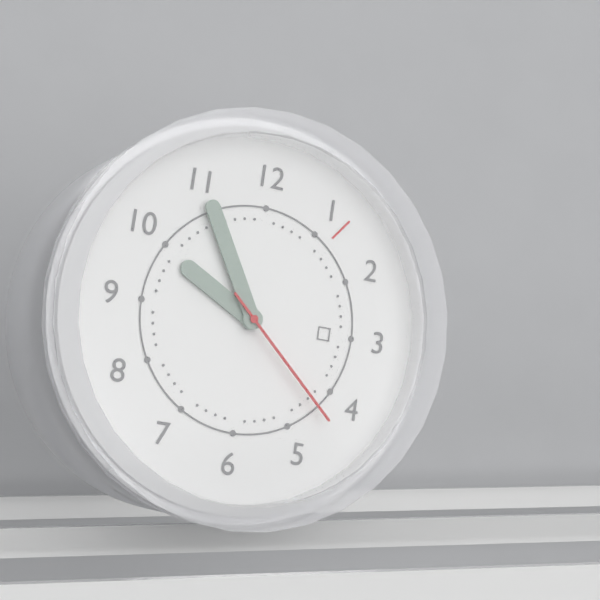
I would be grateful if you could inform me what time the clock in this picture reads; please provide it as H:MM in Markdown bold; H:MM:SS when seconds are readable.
**9:55:22**
